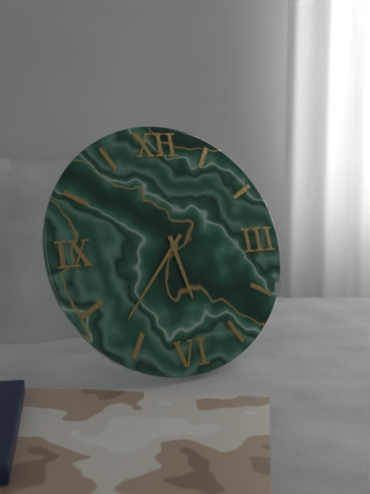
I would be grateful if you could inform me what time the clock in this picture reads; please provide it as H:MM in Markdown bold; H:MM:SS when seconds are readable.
**5:37**
